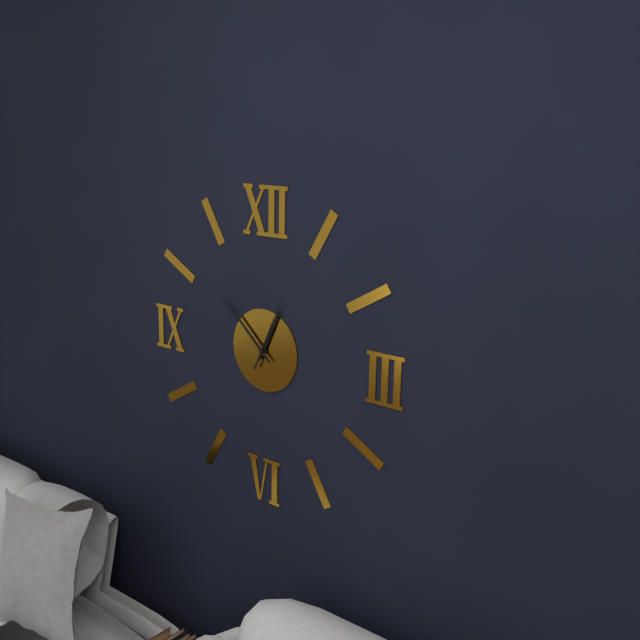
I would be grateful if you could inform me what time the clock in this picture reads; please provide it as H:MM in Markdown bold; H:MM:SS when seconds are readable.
**12:52:04**
